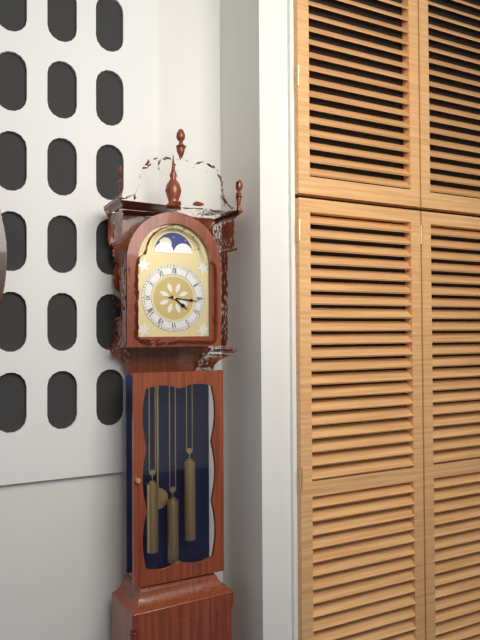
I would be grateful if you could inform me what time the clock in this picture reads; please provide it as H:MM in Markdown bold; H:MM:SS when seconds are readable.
**4:16**
